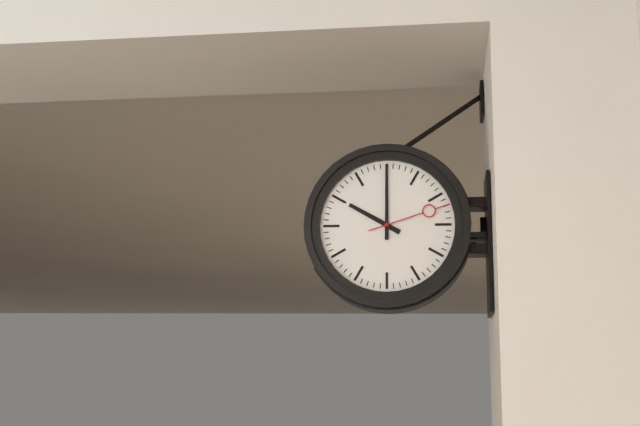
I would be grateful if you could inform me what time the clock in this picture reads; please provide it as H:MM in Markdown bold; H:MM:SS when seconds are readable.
**10:00:12**
